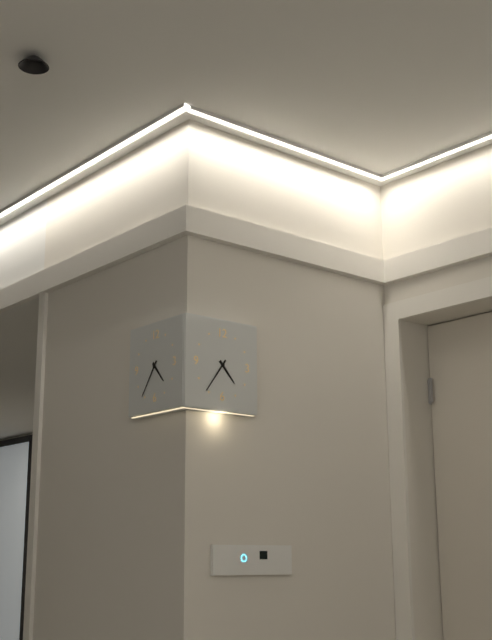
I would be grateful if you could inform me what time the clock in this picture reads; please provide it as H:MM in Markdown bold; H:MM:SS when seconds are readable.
**4:36**
